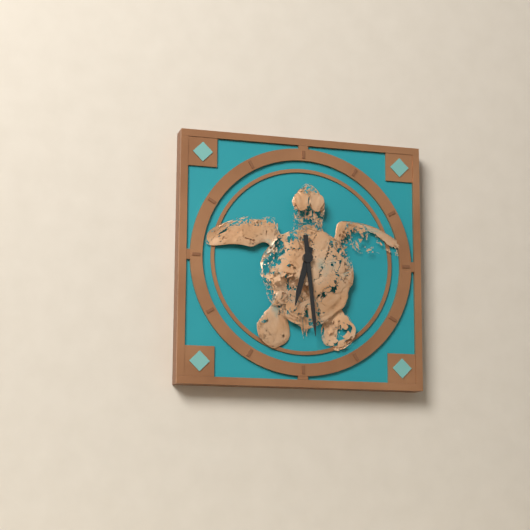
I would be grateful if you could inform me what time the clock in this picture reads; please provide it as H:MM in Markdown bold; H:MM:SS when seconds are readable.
**6:29**
